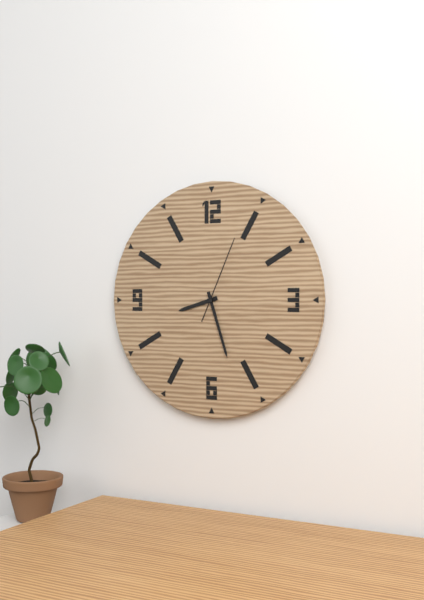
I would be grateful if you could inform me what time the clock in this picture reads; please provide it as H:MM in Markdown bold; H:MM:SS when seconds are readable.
**8:27:04**
